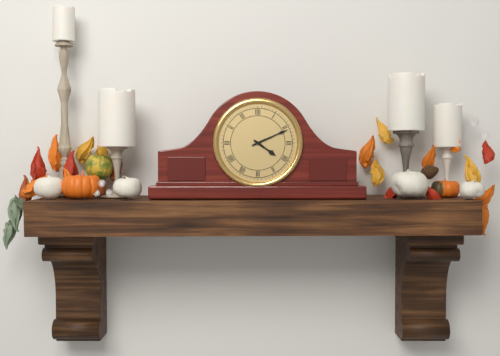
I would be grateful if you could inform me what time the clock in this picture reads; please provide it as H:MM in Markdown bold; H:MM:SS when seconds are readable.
**4:11**
